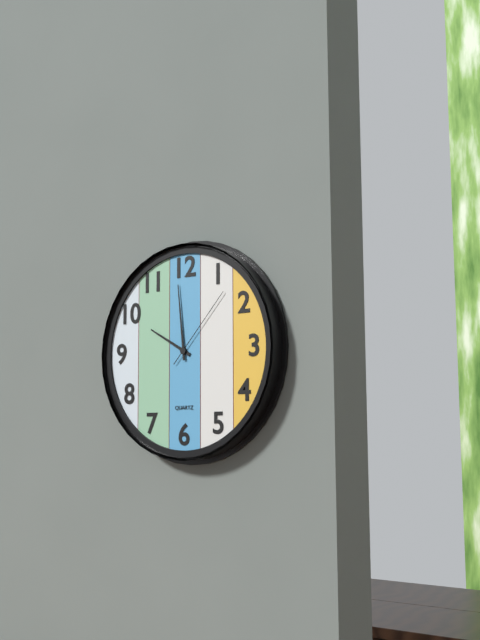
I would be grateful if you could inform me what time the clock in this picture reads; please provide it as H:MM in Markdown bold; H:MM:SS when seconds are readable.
**9:59:07**
